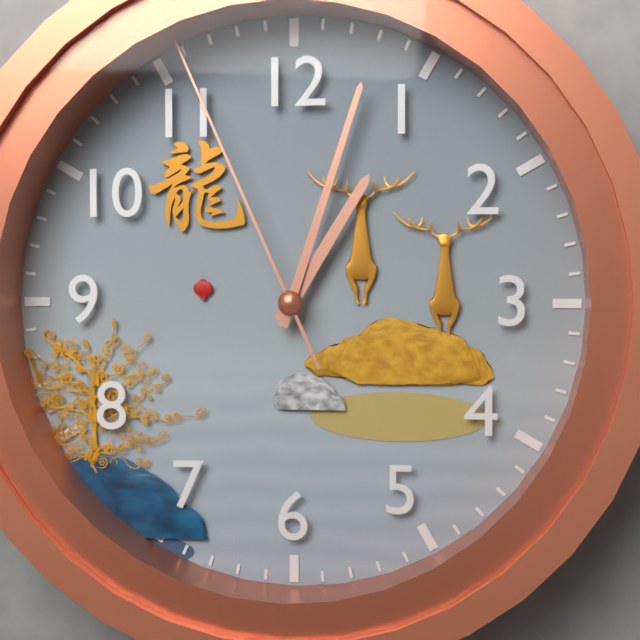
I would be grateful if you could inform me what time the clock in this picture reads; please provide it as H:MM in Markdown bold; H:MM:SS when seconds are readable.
**1:03:56**
